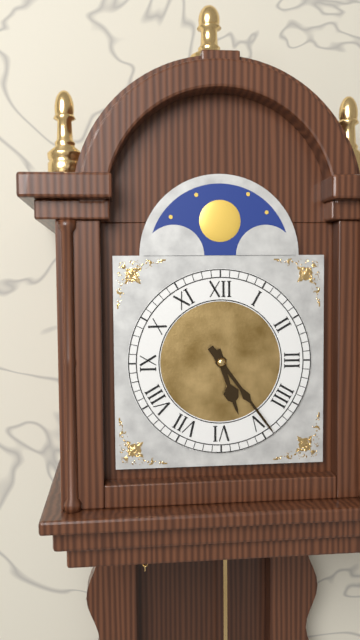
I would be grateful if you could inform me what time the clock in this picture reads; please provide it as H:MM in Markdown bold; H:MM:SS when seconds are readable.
**5:24**
